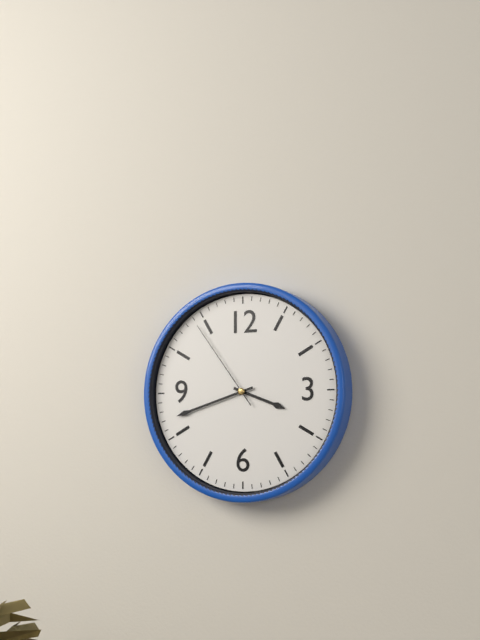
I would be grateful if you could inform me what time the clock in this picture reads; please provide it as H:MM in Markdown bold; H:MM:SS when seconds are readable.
**3:42:54**
